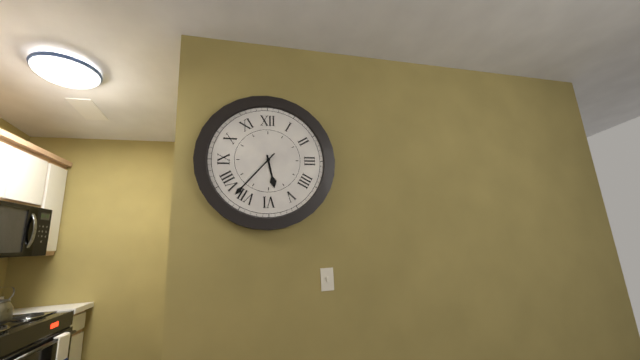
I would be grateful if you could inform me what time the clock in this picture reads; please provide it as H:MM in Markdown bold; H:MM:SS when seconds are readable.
**5:37**
